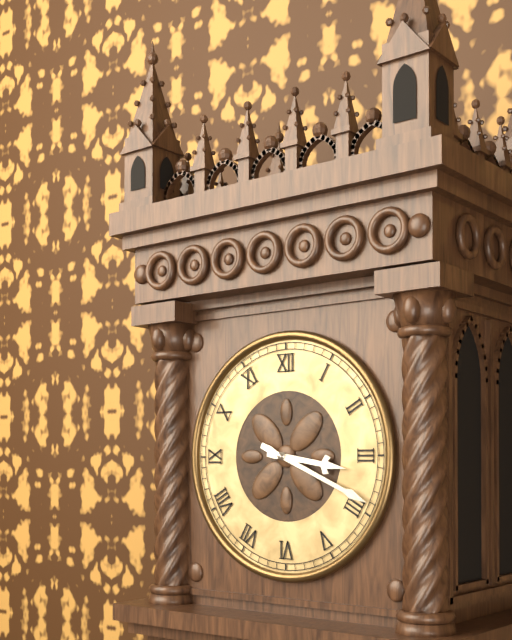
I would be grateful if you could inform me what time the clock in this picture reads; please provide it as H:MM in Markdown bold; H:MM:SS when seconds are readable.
**3:19**
